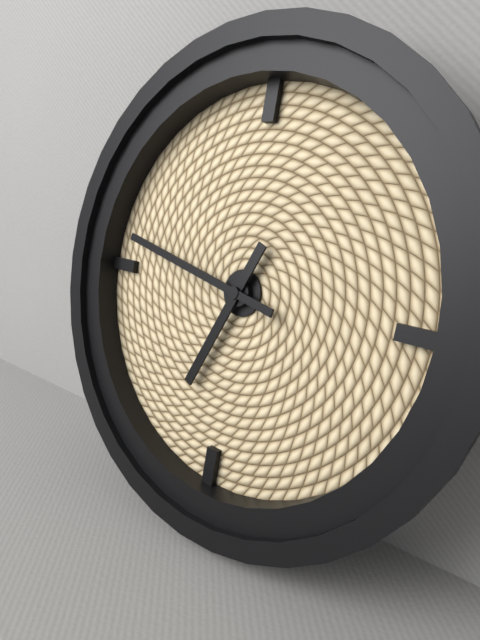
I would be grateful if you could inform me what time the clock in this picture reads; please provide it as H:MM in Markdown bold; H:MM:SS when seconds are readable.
**6:47**
